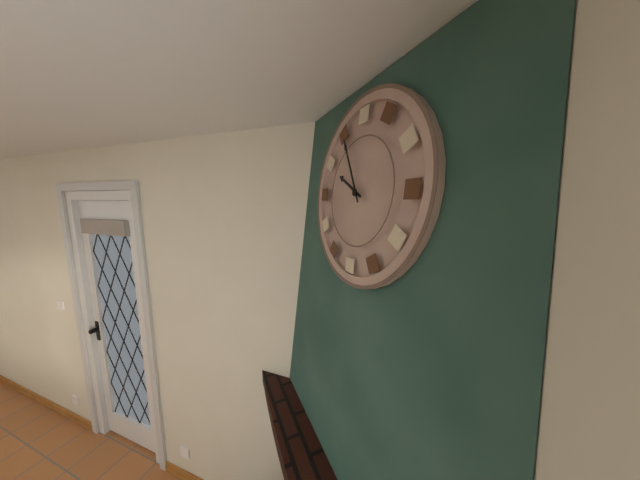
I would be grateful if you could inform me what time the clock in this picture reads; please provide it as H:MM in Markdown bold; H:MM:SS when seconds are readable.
**9:55**
